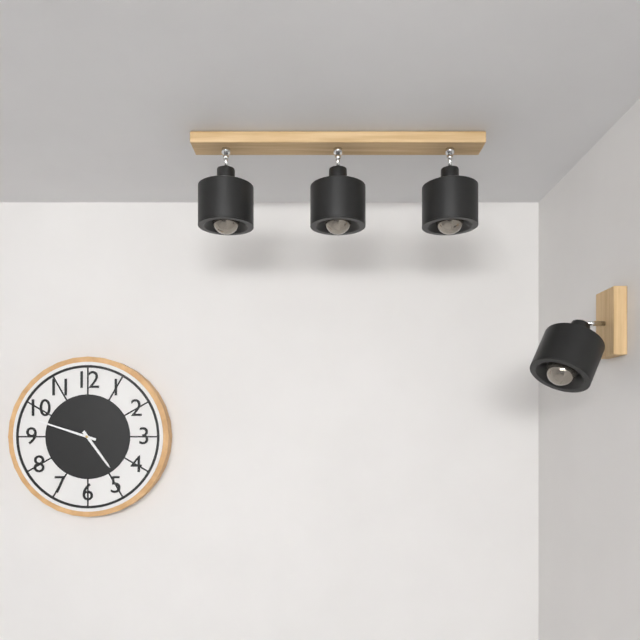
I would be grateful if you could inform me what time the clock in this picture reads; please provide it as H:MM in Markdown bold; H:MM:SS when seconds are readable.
**4:48**
